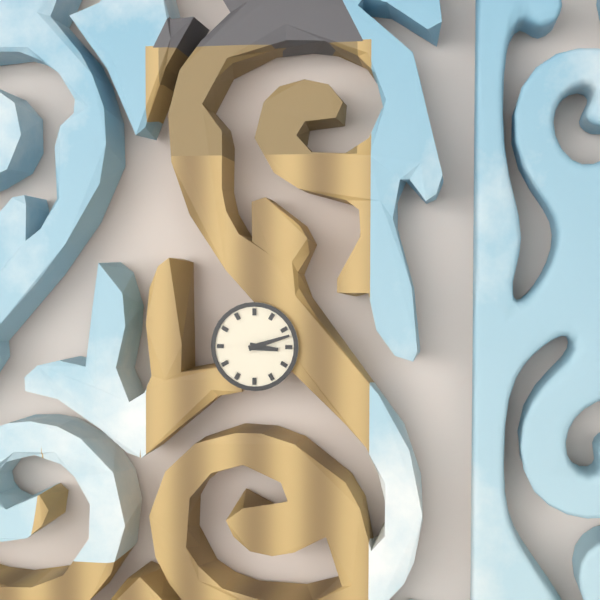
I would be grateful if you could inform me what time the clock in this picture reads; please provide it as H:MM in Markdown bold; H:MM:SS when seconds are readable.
**3:12**
